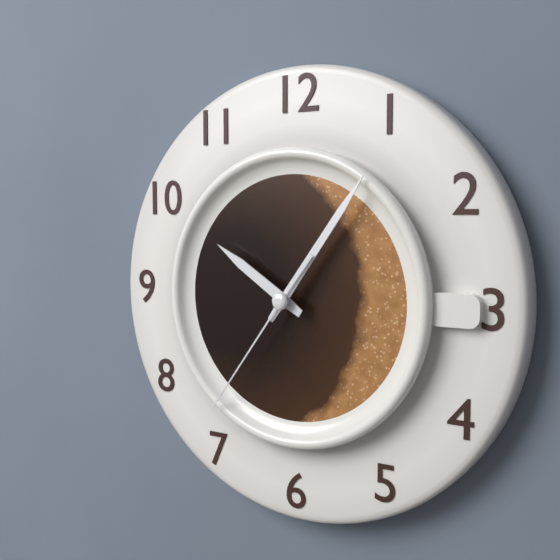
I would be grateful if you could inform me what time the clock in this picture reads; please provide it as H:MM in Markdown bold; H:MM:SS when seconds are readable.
**10:06:36**
